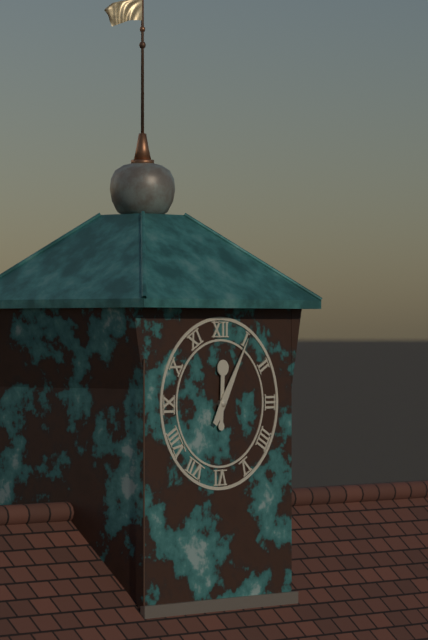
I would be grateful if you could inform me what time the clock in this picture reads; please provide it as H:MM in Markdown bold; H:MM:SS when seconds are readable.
**12:05**
